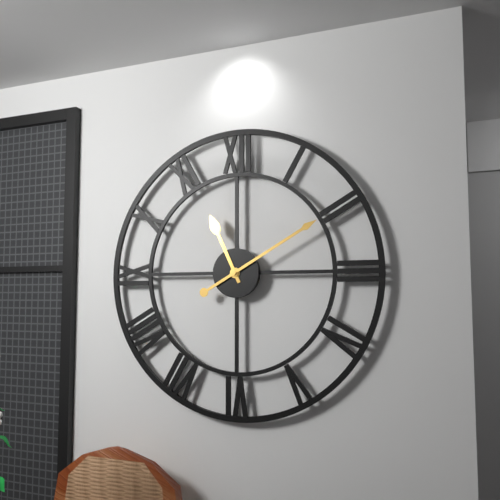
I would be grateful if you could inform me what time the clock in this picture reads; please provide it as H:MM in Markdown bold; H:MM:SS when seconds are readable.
**11:10**
